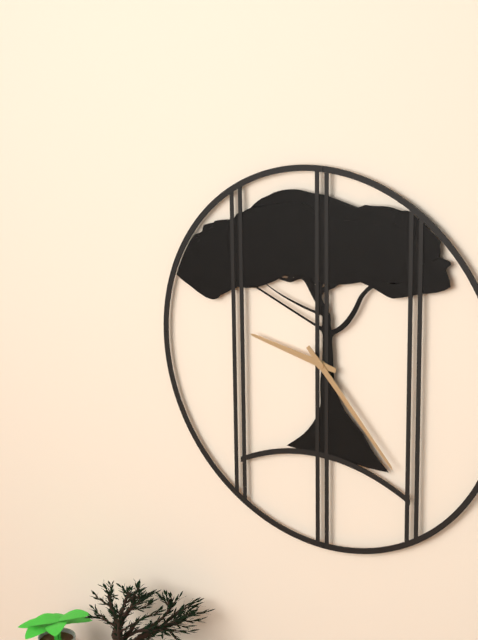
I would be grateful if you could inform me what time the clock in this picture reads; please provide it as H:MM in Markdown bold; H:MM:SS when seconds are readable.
**9:23**
